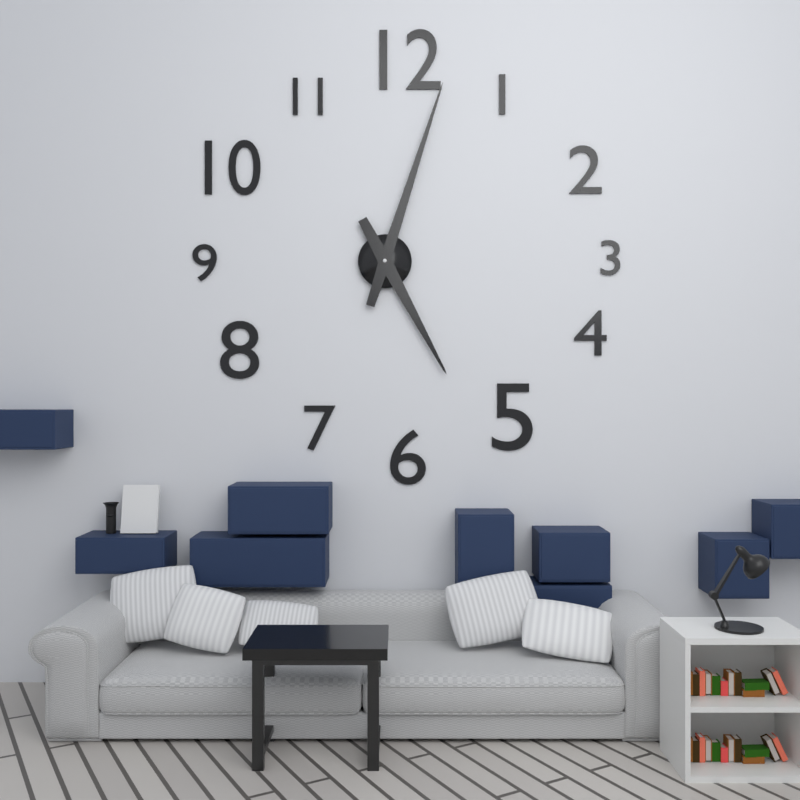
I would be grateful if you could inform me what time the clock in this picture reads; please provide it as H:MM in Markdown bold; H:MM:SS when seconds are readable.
**5:03**
